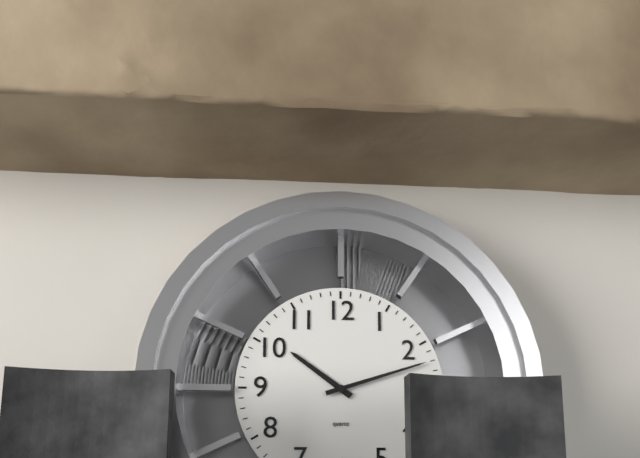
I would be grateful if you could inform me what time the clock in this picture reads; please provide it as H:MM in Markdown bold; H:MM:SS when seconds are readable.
**10:12**
